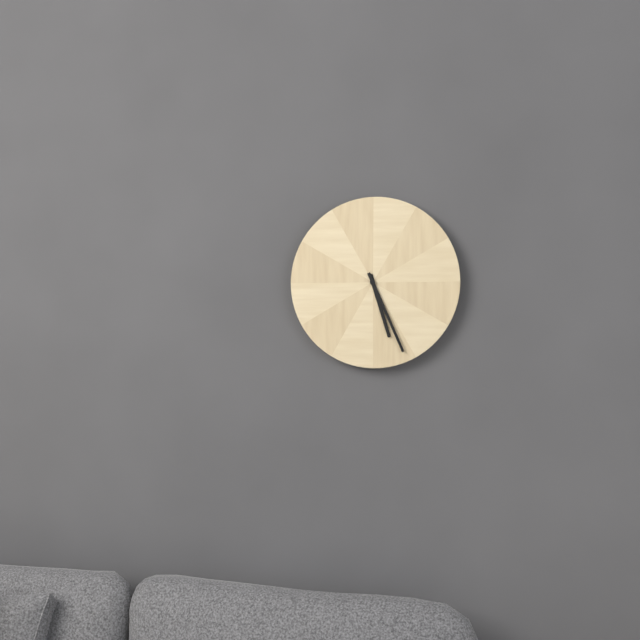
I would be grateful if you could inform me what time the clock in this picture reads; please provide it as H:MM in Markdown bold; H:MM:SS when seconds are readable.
**5:26**
